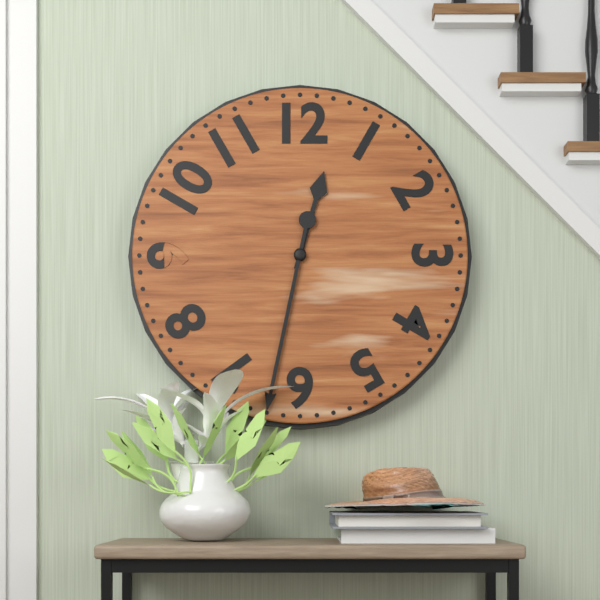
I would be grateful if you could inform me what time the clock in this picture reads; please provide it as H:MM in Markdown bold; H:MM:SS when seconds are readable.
**12:32**
